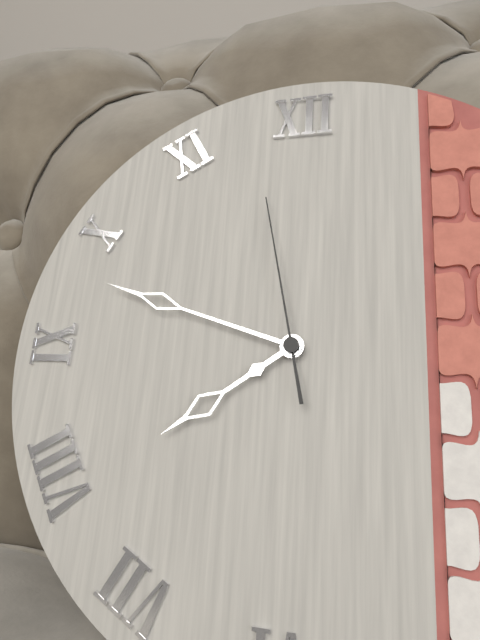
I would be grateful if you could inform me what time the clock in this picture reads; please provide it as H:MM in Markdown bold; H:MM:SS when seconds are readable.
**7:48:58**
